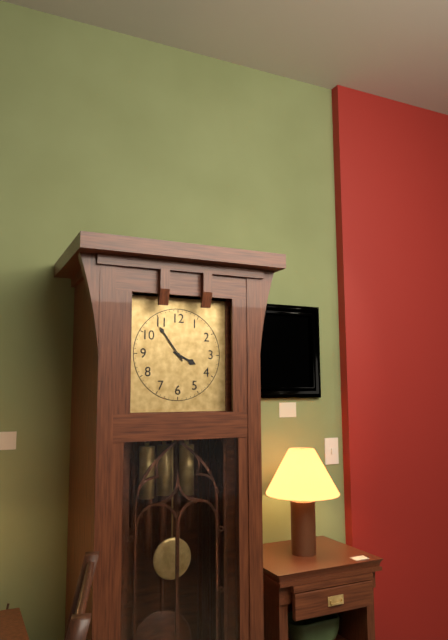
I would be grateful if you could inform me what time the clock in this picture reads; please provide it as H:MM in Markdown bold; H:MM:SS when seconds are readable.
**3:54**
